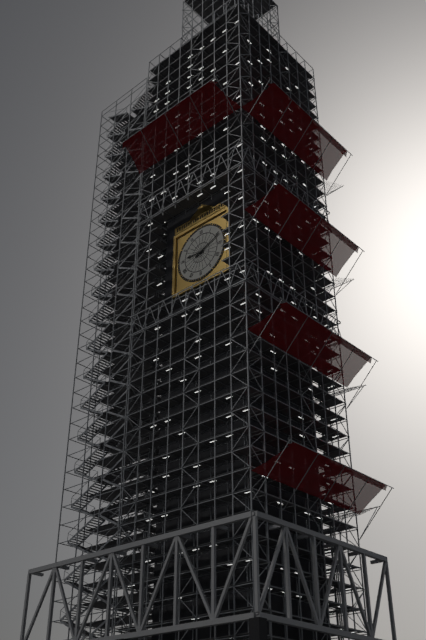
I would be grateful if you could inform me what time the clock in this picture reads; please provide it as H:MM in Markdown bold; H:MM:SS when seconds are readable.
**9:11**
